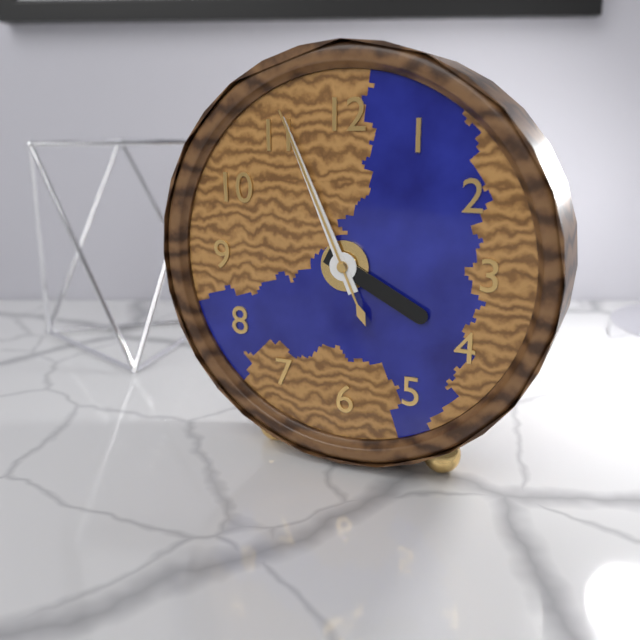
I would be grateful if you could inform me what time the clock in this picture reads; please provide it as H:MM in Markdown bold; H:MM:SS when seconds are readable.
**3:56:56**
